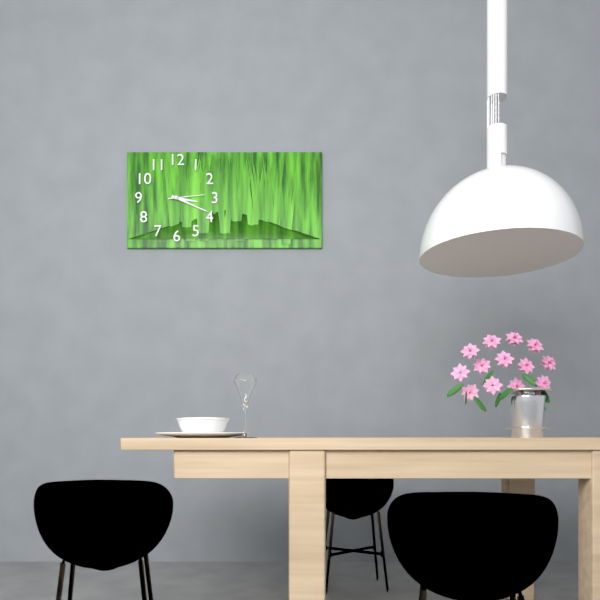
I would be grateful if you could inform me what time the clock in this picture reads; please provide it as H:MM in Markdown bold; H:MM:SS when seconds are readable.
**3:19**
